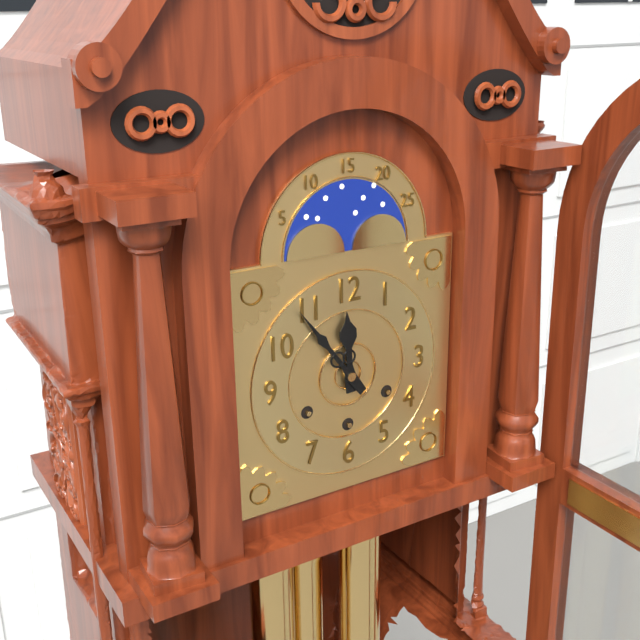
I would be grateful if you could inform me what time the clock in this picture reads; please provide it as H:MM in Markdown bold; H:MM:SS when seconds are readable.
**11:54**
